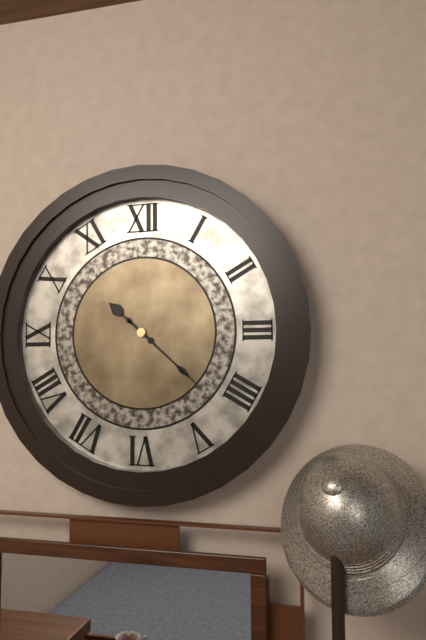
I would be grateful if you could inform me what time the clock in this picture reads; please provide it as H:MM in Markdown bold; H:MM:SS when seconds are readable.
**10:22**
